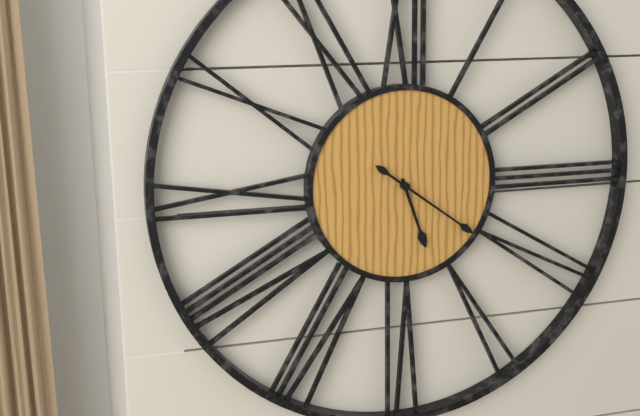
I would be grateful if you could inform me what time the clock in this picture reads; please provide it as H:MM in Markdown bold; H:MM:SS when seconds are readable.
**5:21**
